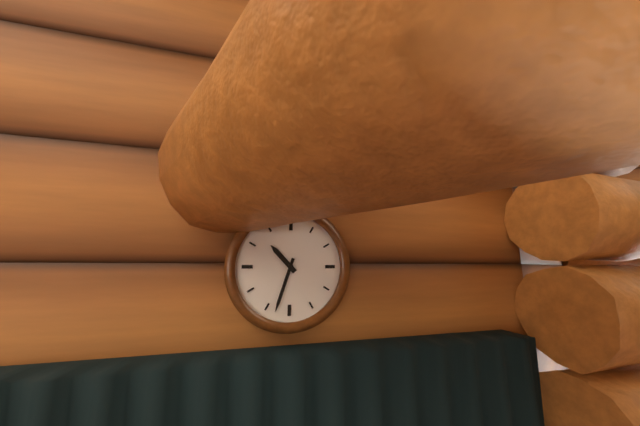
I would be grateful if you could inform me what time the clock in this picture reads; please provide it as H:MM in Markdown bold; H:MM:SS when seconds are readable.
**10:33**
